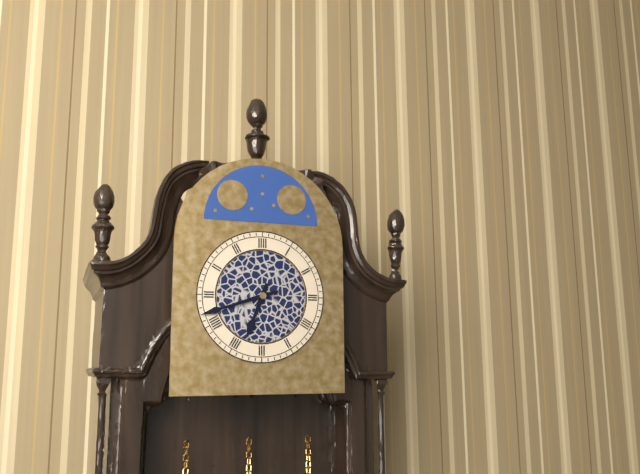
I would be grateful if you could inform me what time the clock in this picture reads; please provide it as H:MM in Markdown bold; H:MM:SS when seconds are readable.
**6:42**
